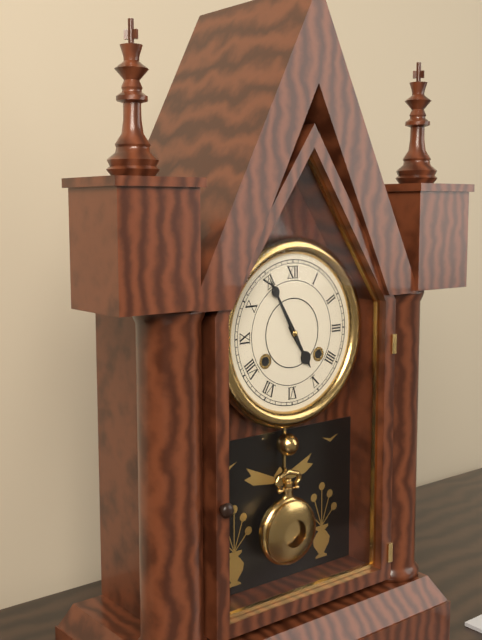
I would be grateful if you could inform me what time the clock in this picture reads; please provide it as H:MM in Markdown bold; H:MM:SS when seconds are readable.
**4:55**
